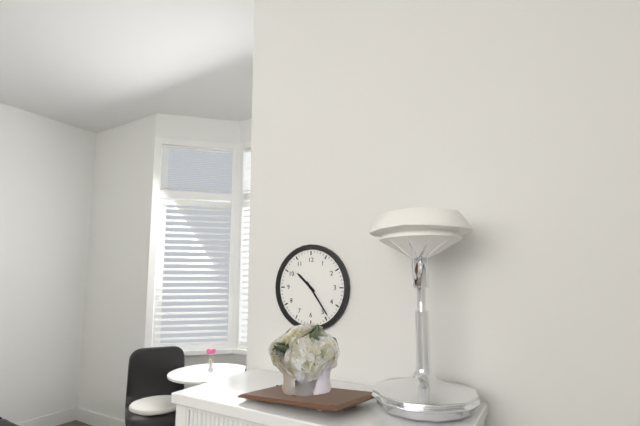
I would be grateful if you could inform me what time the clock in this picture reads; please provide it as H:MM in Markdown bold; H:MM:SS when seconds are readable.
**10:24**
